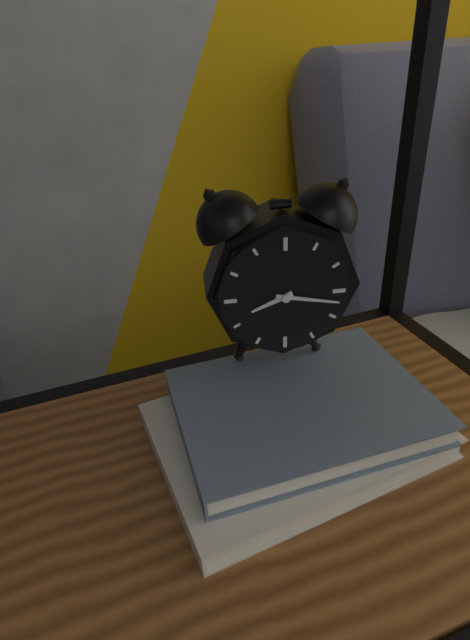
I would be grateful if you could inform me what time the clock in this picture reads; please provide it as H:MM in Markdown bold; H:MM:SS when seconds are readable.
**8:17**
